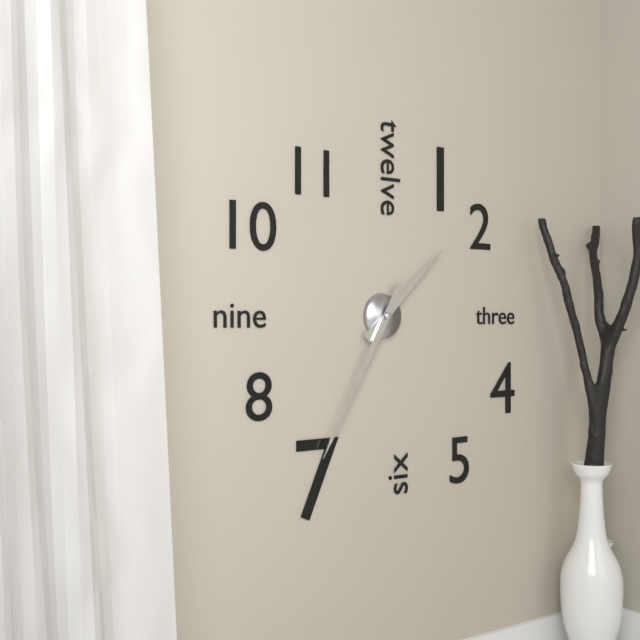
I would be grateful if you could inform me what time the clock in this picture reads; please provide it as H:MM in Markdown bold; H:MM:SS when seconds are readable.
**1:35**
